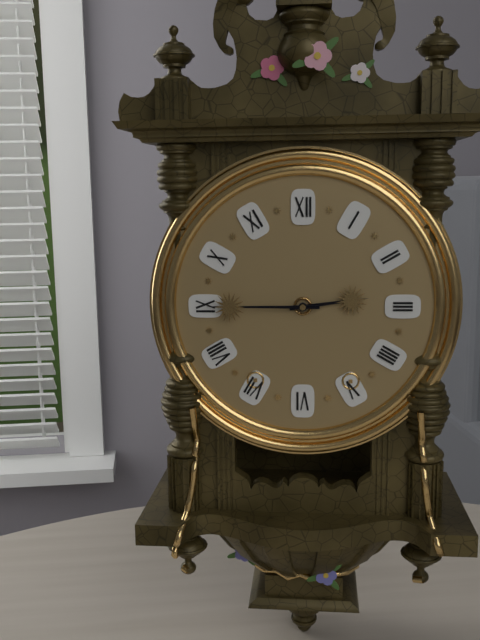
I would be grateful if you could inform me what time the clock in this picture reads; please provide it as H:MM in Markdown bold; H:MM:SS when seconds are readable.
**2:45**
